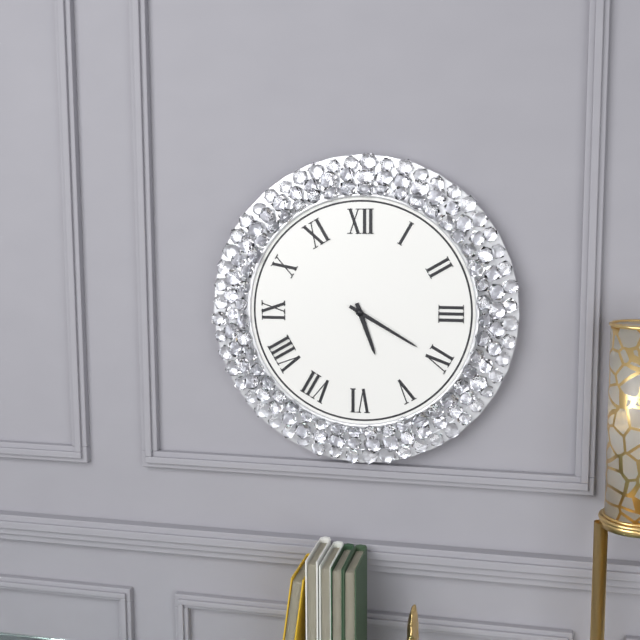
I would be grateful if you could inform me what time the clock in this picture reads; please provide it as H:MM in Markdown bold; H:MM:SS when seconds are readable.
**5:20**
